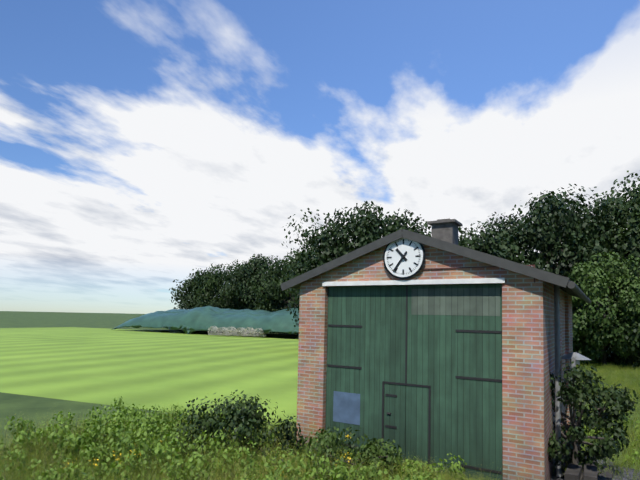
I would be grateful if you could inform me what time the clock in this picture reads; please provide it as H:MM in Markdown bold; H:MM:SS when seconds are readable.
**10:36**
